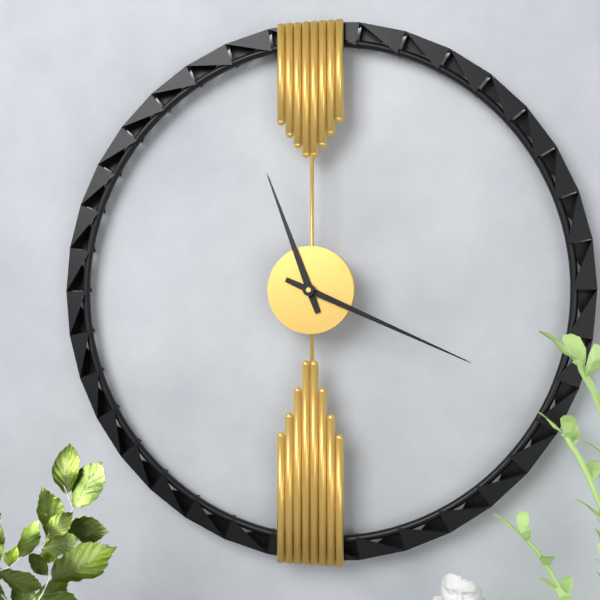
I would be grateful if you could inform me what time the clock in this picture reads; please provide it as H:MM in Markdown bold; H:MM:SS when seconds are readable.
**11:19**
